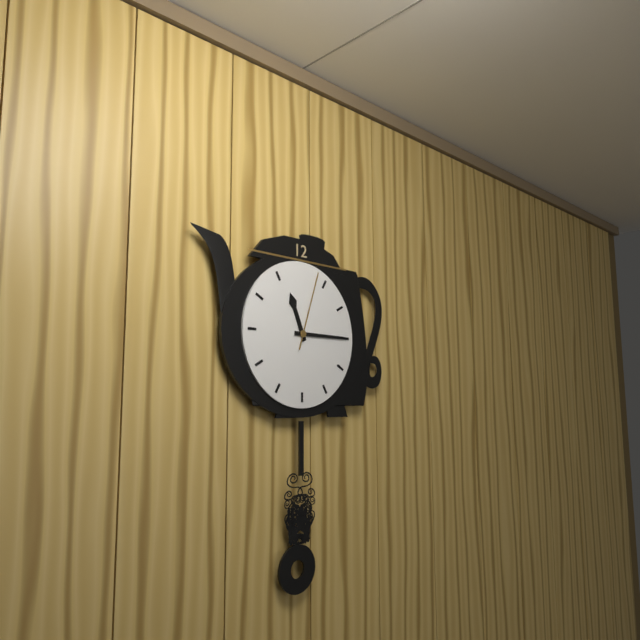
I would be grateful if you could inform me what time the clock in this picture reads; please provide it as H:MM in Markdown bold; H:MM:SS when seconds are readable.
**11:15:03**
